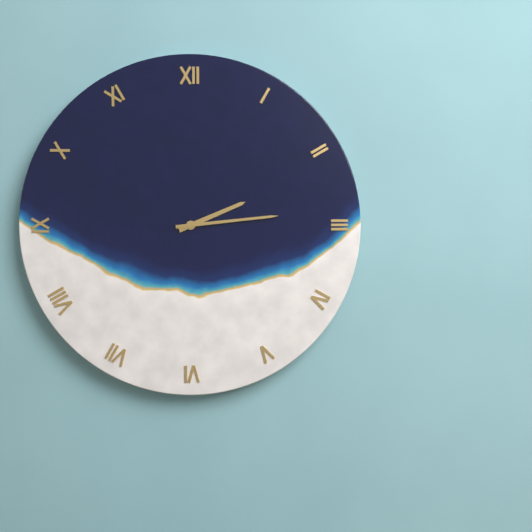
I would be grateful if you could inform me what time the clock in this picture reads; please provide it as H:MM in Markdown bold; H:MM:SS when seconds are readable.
**2:14**
